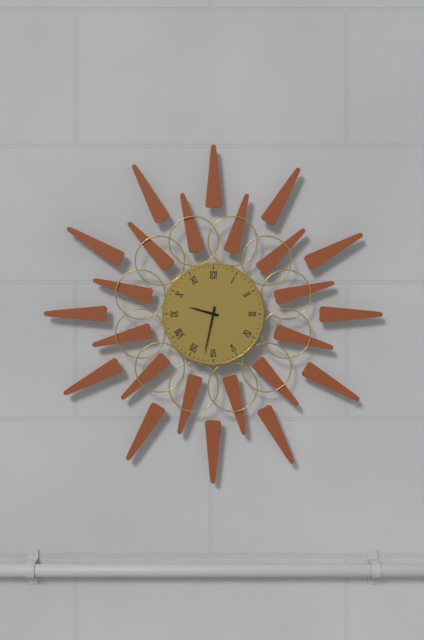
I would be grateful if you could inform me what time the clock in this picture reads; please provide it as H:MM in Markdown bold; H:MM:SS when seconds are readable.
**9:32**
